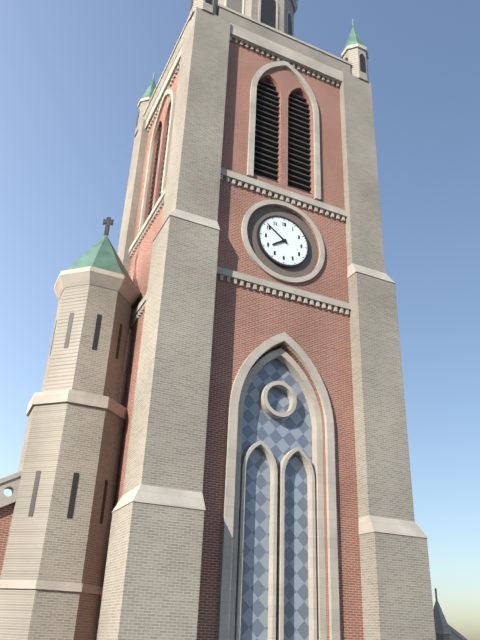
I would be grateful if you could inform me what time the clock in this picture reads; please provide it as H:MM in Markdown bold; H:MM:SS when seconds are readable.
**7:51**
